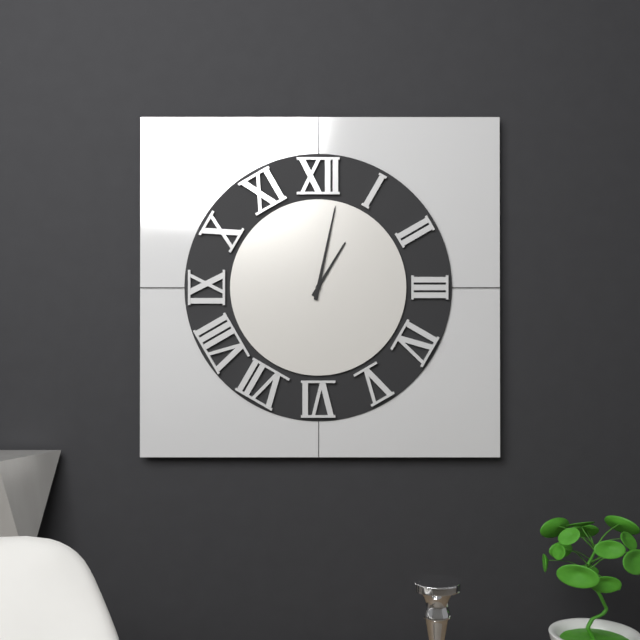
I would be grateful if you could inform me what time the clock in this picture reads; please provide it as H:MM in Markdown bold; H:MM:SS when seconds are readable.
**1:02**
